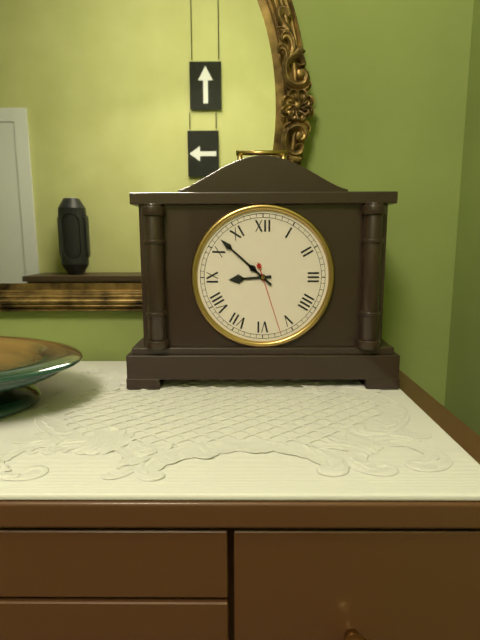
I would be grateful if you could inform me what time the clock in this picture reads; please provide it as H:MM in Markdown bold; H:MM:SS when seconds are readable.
**8:52:27**
